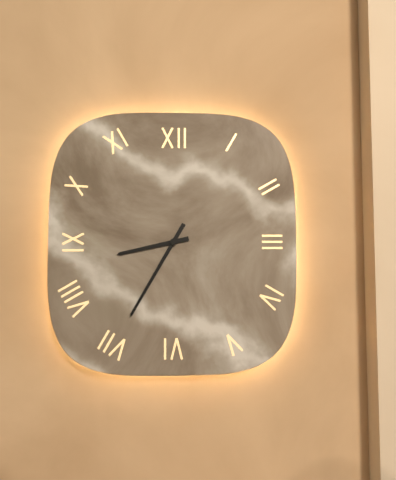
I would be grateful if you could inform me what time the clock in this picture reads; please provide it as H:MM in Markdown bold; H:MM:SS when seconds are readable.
**8:35**
